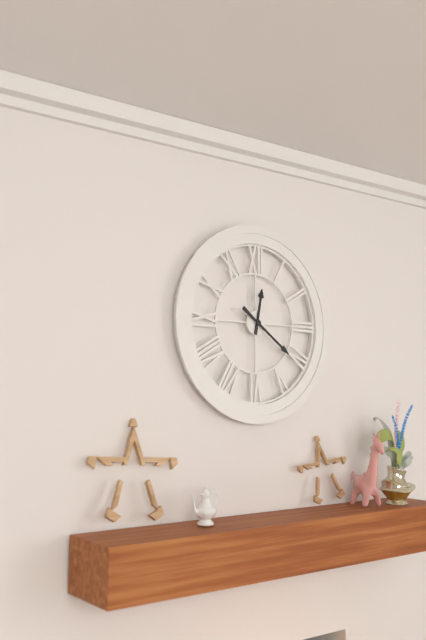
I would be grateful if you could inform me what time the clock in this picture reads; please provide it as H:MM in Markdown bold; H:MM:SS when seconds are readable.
**12:21**
